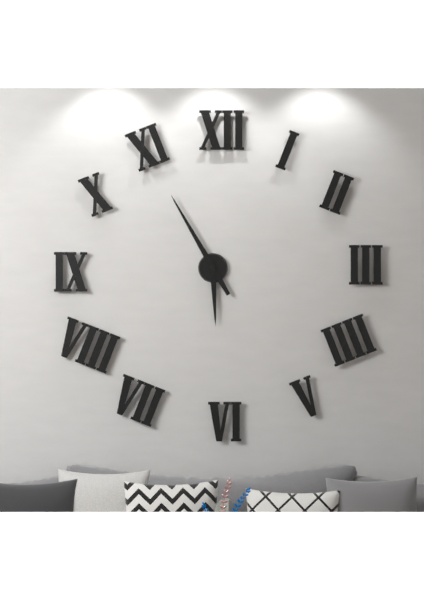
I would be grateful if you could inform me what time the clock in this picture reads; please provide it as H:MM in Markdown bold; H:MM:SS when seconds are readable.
**5:55**
